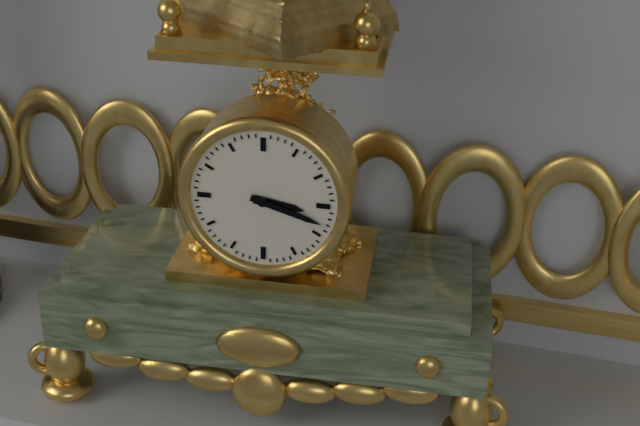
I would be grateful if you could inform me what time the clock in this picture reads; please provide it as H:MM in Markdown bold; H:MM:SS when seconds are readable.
**3:18**
